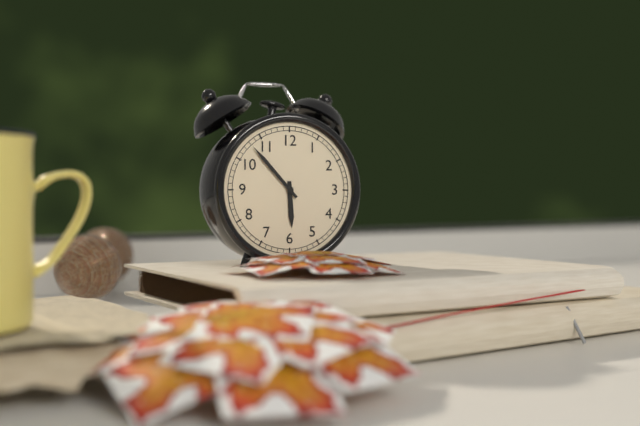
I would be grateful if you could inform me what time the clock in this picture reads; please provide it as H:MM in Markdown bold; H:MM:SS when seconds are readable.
**5:53**
